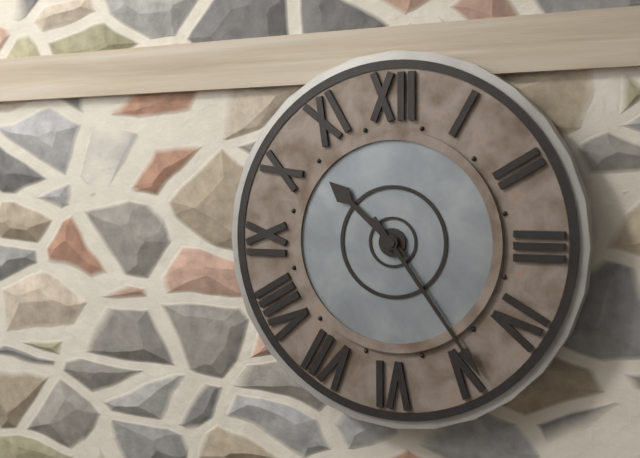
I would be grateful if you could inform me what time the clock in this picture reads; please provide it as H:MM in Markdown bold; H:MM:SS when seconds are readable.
**10:24**
